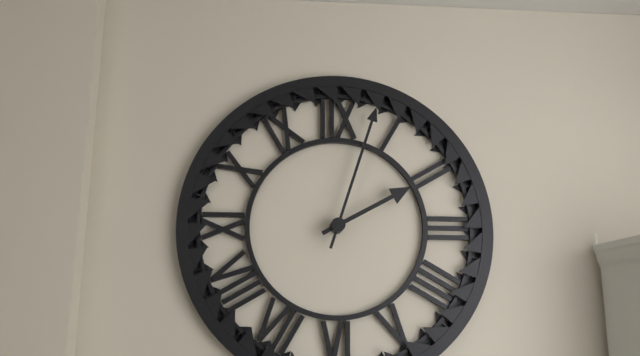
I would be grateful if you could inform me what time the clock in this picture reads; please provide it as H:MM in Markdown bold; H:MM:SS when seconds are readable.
**2:03**
